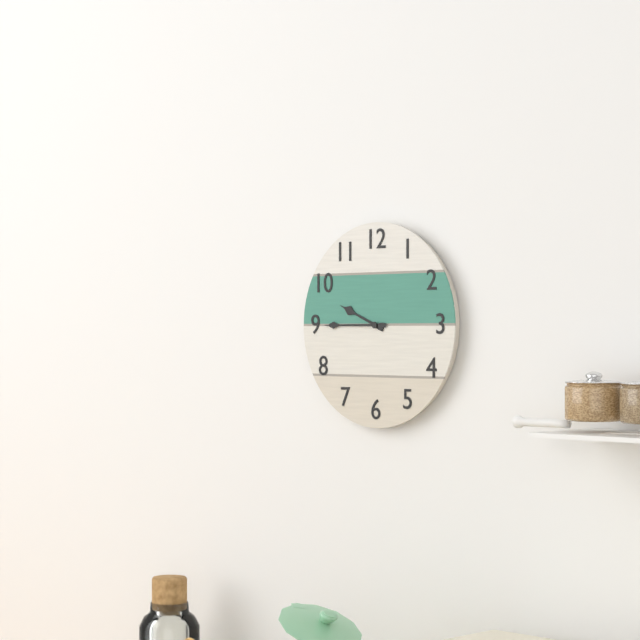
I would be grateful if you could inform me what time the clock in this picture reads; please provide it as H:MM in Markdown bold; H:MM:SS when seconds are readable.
**9:45**
